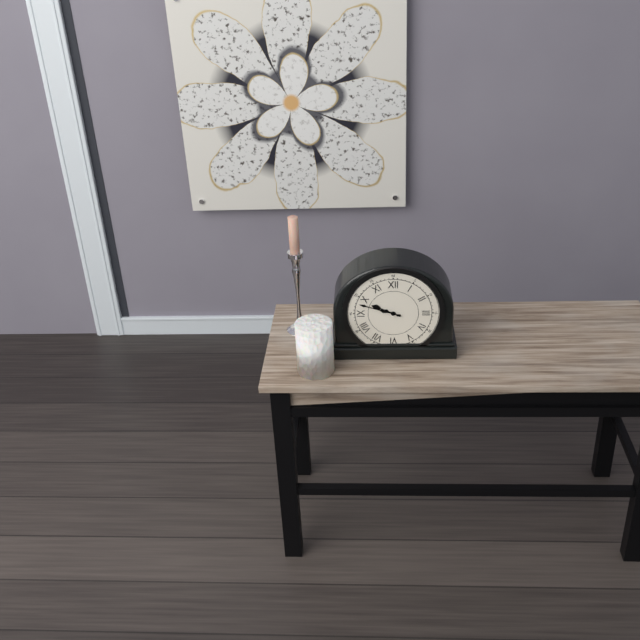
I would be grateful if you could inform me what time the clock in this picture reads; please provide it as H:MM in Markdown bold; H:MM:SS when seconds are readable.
**9:48**
